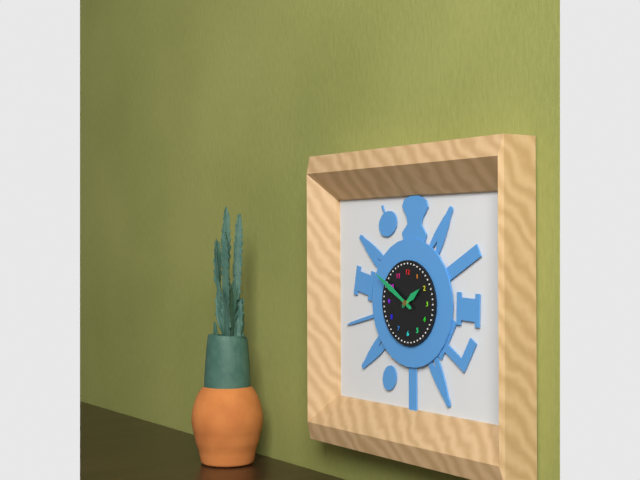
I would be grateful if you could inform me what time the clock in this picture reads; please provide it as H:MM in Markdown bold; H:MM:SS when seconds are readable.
**1:50**
